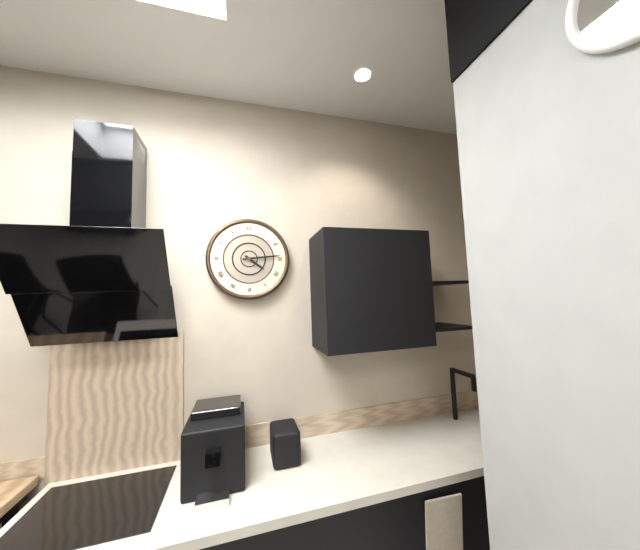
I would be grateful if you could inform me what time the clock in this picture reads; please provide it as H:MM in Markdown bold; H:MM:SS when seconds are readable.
**4:14**
